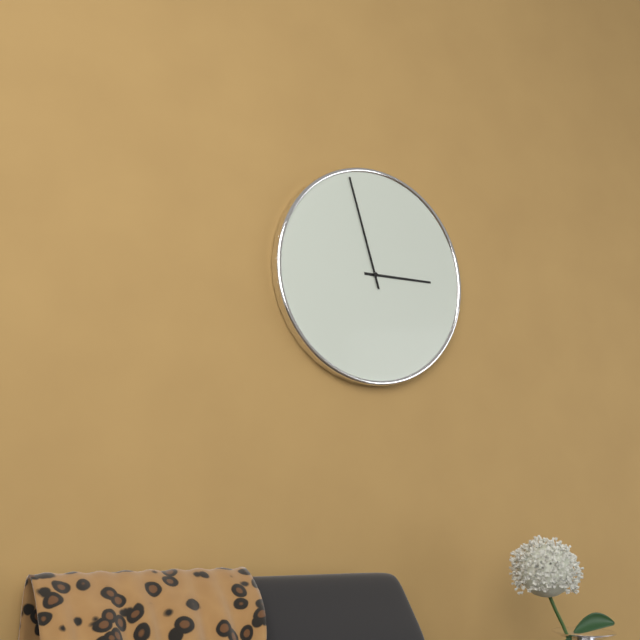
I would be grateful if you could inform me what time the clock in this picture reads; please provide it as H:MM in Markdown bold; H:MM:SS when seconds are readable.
**2:57**
